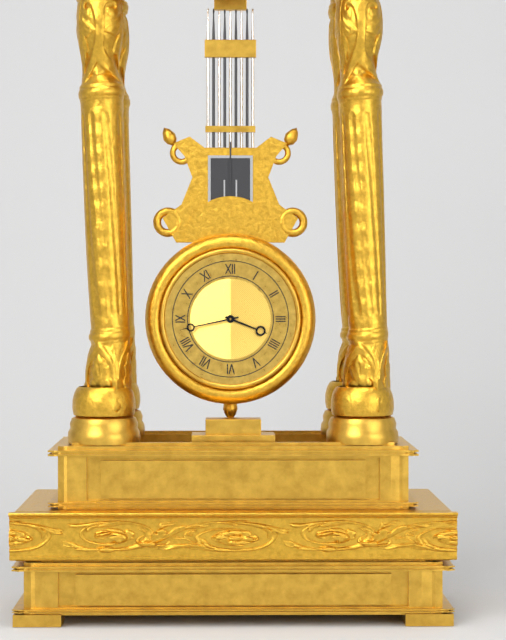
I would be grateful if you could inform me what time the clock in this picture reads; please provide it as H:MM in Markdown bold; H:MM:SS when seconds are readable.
**3:43**
